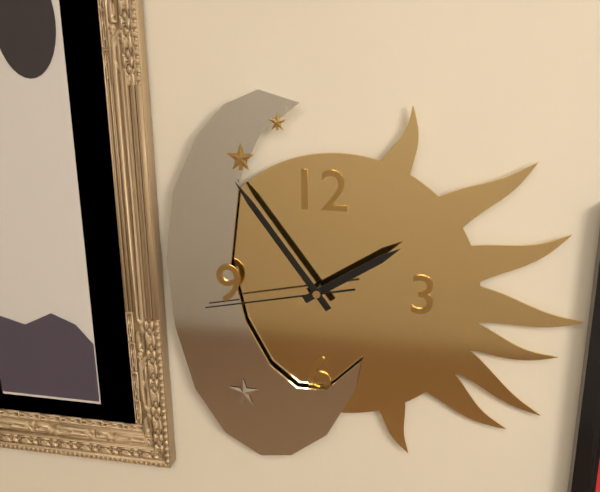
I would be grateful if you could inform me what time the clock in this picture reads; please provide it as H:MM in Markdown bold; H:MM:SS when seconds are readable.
**1:54:43**
